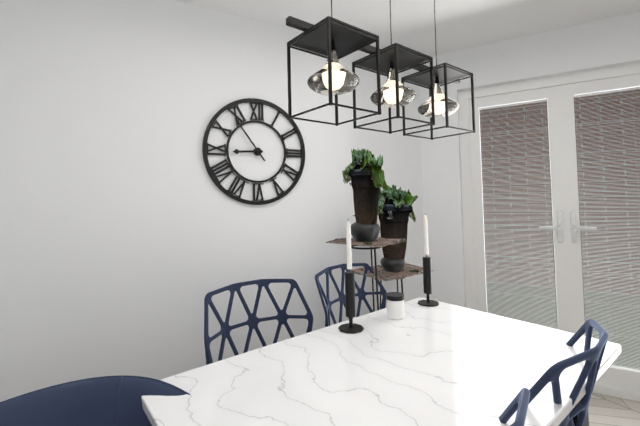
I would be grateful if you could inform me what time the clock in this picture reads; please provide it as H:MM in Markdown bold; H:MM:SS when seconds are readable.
**8:54**
